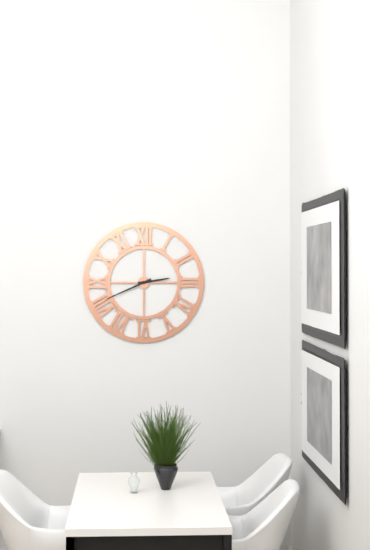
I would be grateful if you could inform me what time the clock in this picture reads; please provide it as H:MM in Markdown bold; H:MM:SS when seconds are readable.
**2:41**
